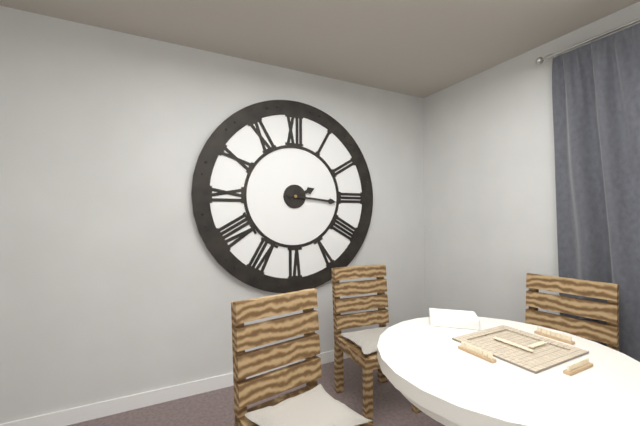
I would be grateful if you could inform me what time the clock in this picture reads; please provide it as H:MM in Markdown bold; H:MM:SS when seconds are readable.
**2:16**
